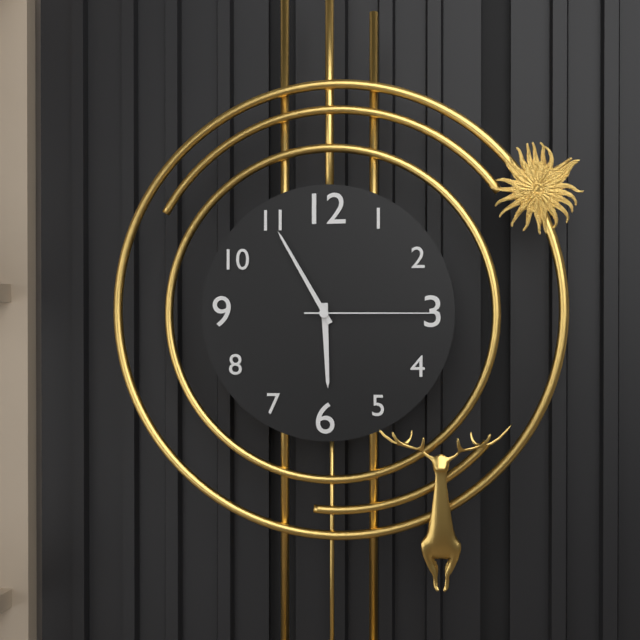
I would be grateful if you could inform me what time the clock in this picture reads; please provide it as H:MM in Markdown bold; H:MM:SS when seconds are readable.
**5:55:15**
